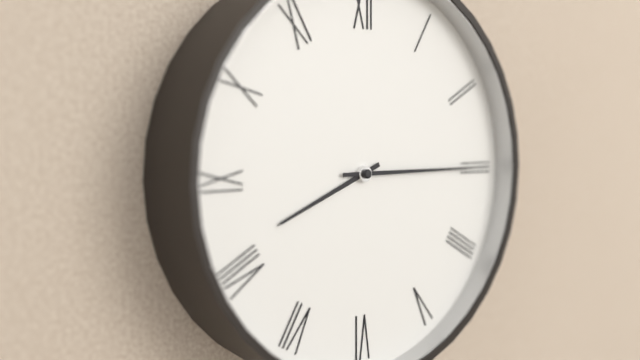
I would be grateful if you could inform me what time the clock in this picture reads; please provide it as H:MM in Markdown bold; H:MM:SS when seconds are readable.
**8:15**
